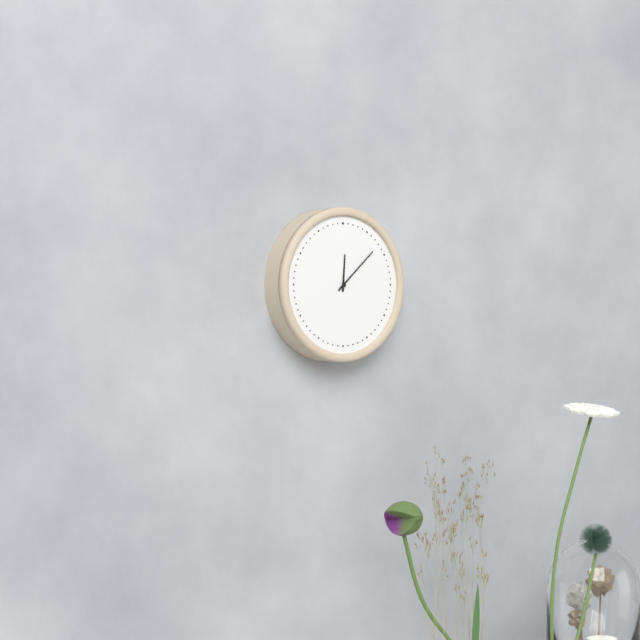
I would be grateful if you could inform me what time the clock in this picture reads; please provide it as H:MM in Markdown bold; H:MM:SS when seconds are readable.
**12:08**
